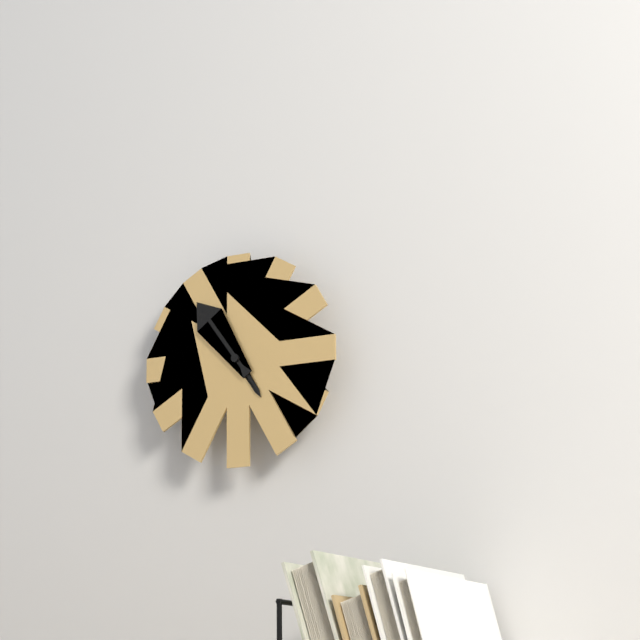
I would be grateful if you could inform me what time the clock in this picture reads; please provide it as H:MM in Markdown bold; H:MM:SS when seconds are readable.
**4:54**
